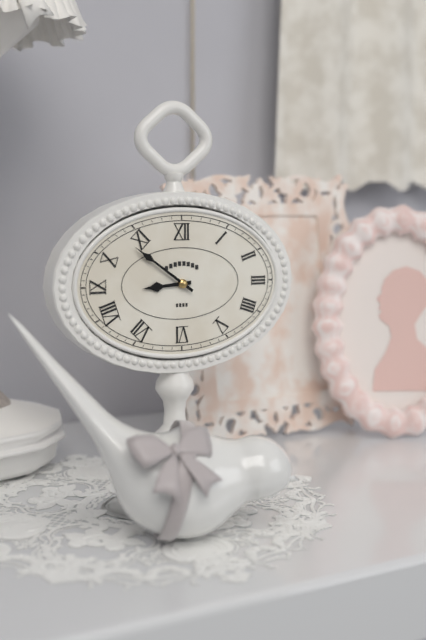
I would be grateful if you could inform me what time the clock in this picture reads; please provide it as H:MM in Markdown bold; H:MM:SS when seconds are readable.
**8:51**
